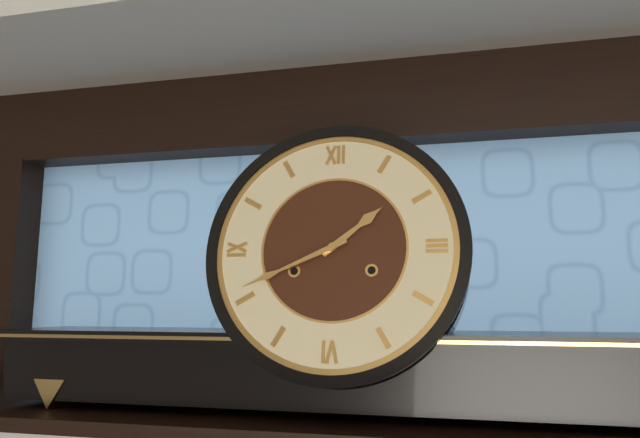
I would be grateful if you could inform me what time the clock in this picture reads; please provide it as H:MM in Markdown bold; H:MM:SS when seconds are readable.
**1:41**
